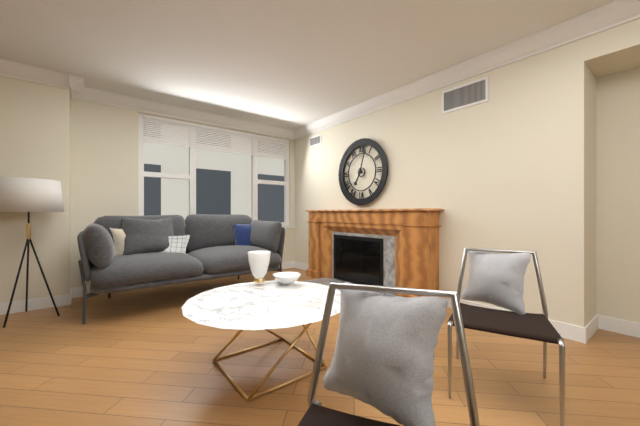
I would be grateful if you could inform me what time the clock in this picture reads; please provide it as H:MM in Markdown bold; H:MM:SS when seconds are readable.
**7:03**
